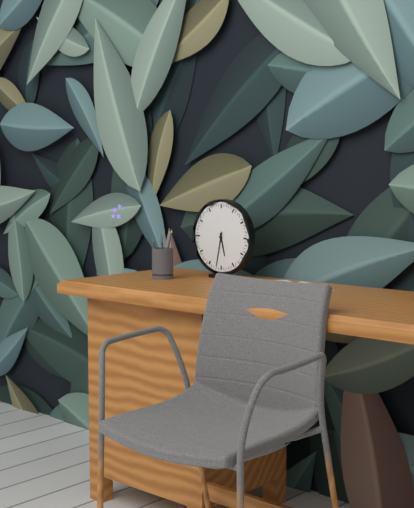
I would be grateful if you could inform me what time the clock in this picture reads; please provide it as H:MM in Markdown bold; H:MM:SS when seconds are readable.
**5:32**
